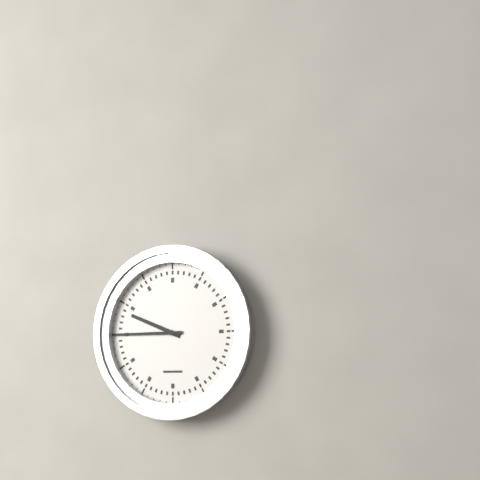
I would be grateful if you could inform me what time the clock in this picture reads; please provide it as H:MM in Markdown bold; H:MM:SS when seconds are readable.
**9:45**
